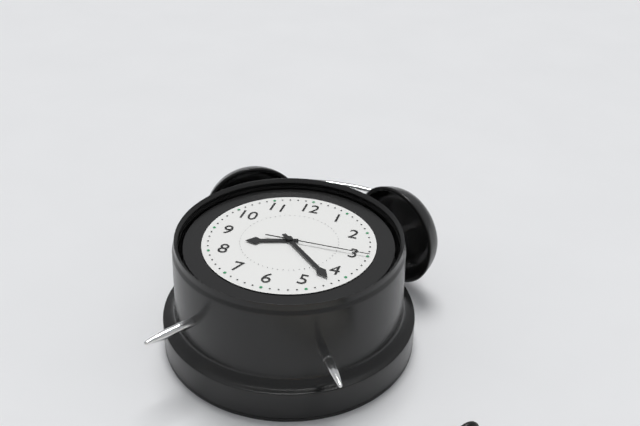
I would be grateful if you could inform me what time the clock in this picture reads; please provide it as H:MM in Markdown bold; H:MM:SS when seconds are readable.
**8:22:15**
